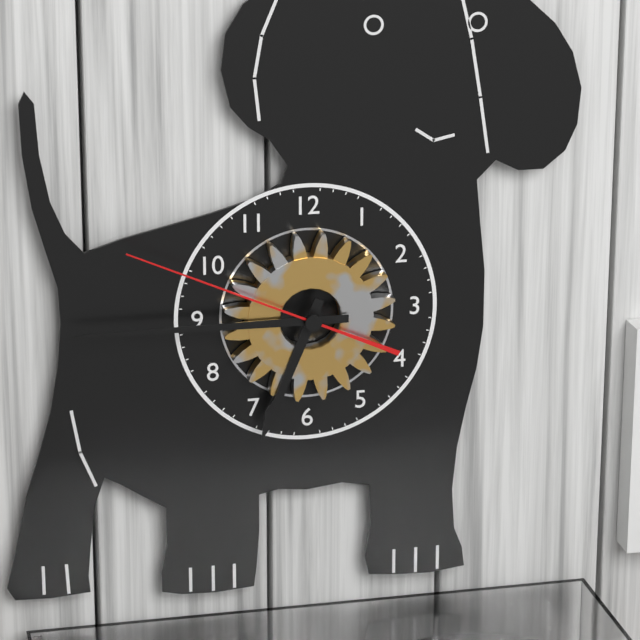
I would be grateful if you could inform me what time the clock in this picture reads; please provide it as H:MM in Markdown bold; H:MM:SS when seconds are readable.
**6:45:49**
